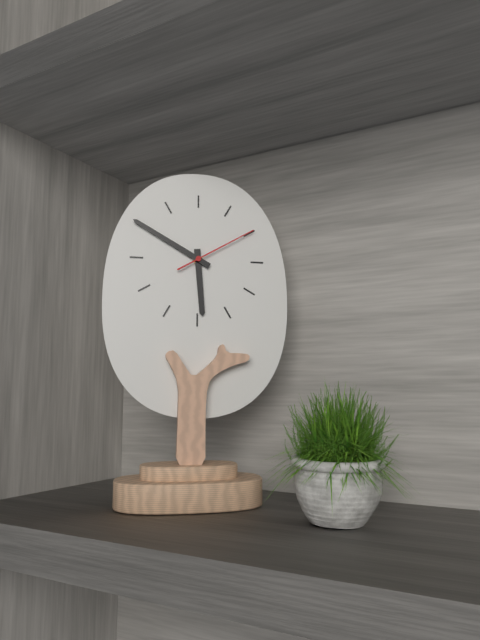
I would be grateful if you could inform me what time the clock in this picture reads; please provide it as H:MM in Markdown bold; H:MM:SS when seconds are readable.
**5:50:10**
